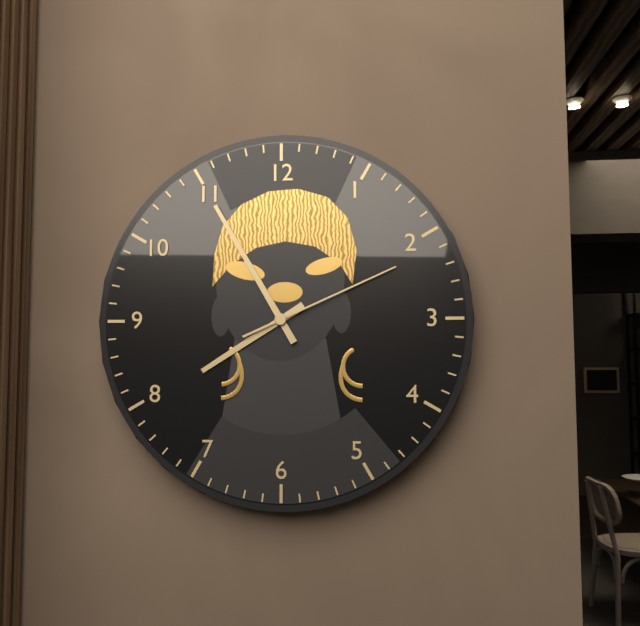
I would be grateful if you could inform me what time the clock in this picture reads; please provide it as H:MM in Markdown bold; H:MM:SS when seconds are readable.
**7:55:11**
